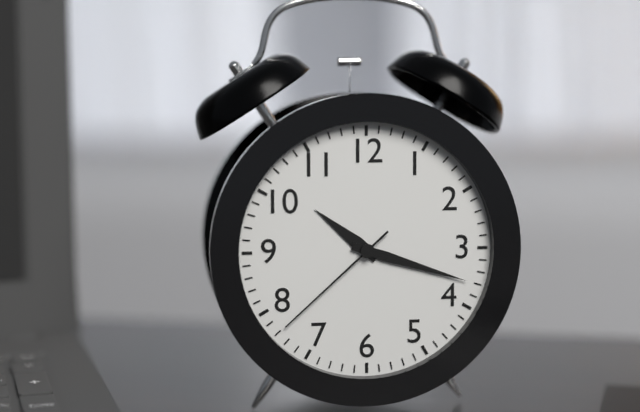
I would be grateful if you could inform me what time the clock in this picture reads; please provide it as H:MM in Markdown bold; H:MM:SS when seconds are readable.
**10:18:38**
